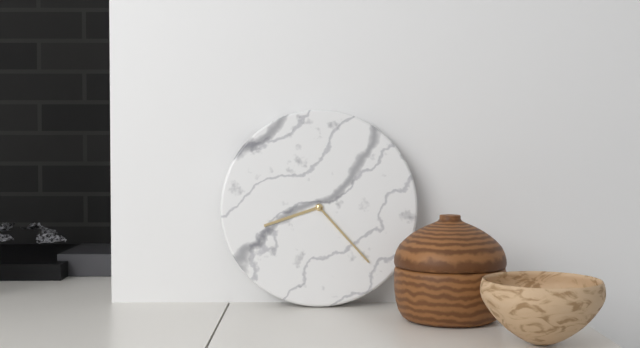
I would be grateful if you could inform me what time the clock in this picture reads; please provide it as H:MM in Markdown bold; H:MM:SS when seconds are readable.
**8:23**
